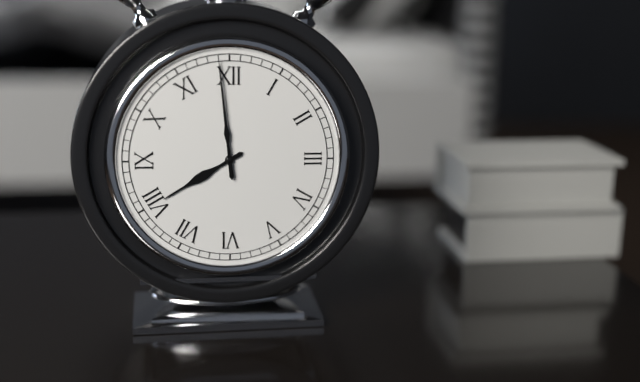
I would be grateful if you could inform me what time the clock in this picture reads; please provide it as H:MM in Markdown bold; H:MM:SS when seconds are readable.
**7:59**
